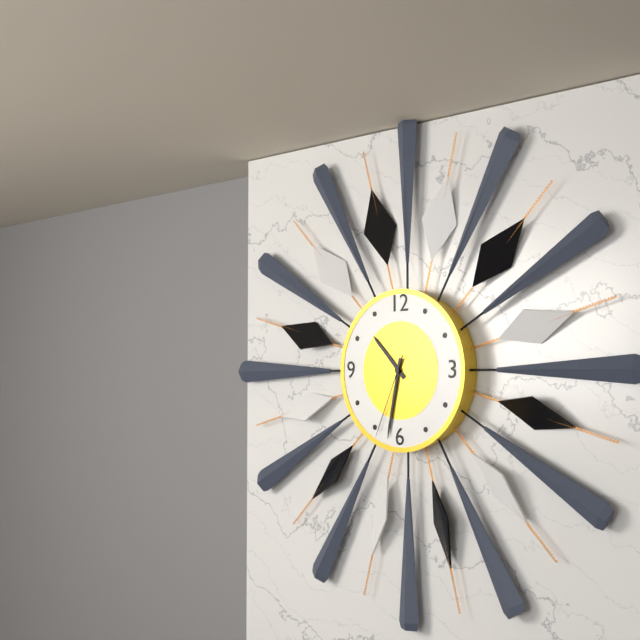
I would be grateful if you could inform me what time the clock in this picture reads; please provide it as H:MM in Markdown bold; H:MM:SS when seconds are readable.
**10:32:34**
